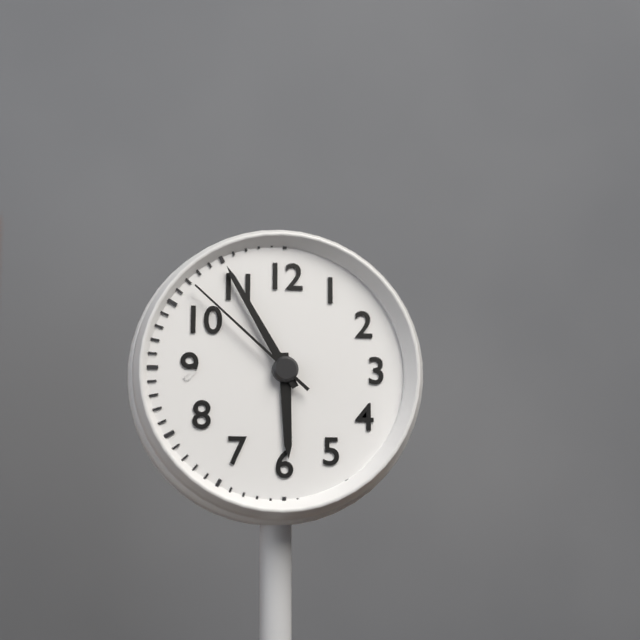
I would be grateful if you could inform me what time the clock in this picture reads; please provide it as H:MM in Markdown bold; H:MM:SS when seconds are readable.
**5:55:52**
